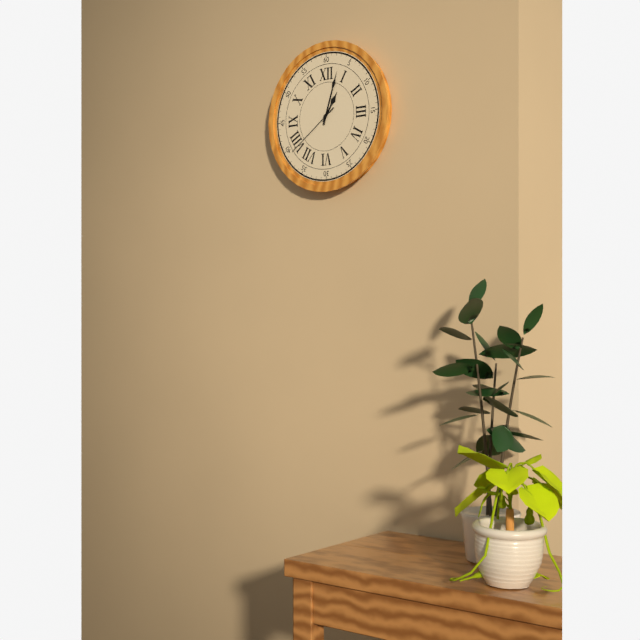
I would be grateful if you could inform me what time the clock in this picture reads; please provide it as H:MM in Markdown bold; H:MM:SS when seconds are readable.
**1:03:39**
